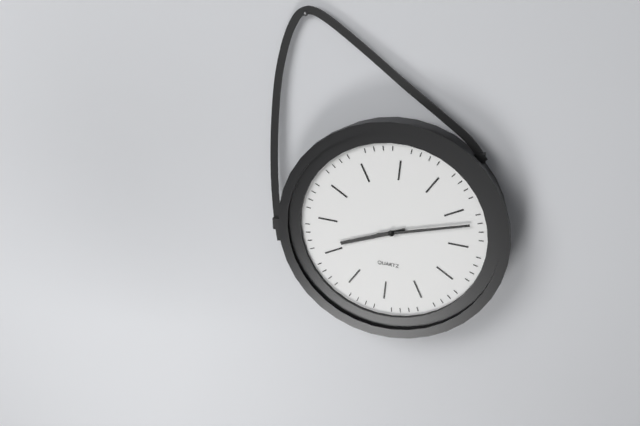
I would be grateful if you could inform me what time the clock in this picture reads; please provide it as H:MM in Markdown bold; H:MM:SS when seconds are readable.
**8:12**
